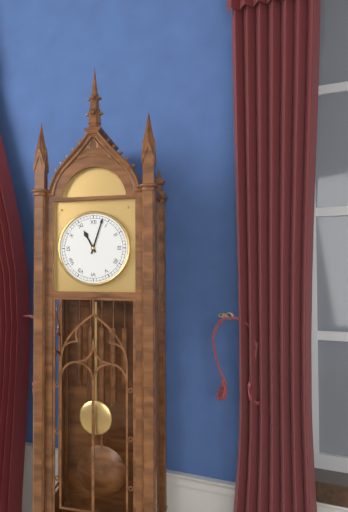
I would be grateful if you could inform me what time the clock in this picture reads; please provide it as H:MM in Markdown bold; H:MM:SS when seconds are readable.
**11:03**
